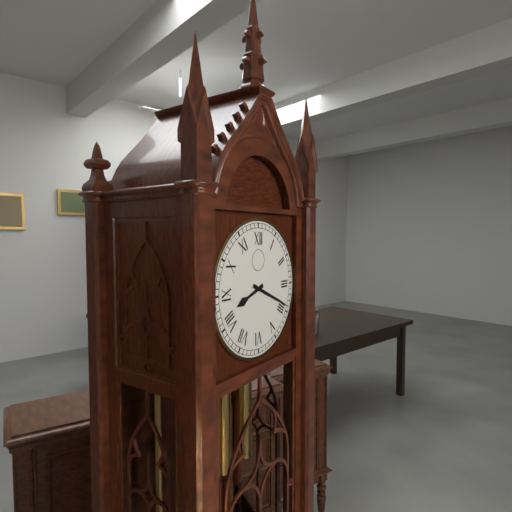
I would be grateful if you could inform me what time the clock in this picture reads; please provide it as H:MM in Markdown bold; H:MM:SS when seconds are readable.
**8:19**
